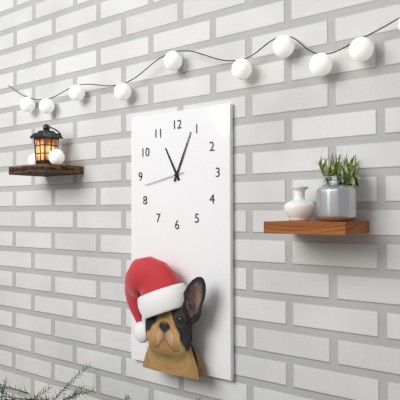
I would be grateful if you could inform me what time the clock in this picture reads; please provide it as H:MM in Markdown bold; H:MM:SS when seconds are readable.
**11:04**
